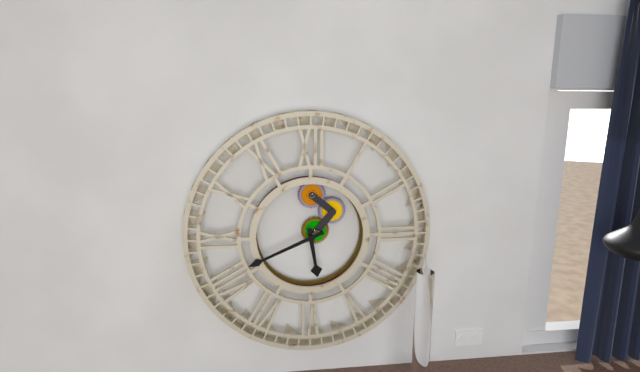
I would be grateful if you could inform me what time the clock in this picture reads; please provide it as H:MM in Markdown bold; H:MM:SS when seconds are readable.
**5:41**
